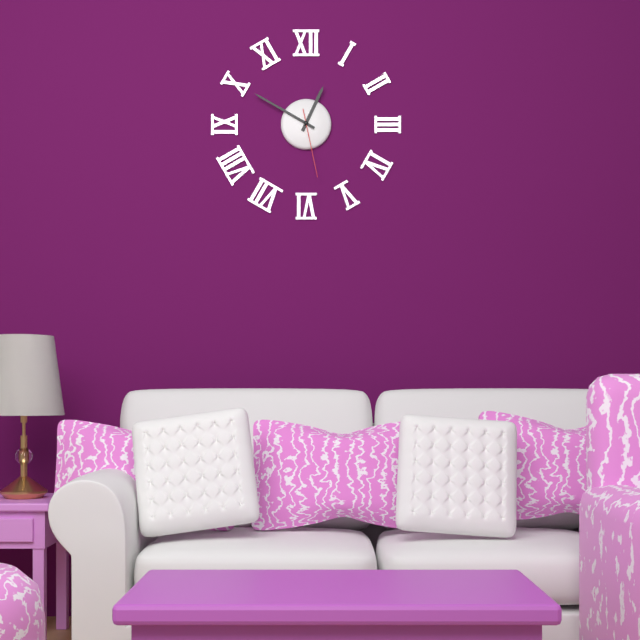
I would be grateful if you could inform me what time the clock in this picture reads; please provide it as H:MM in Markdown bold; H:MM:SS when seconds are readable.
**12:50:28**
